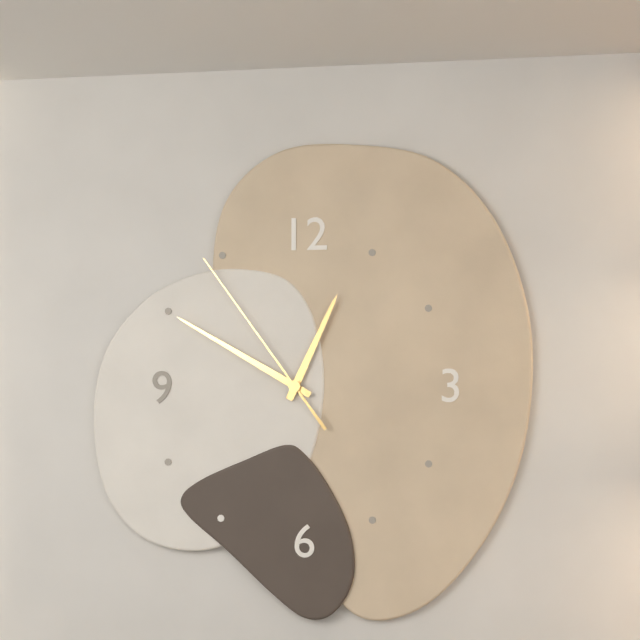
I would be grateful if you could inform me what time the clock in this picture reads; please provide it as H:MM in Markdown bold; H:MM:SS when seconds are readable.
**12:50:54**
